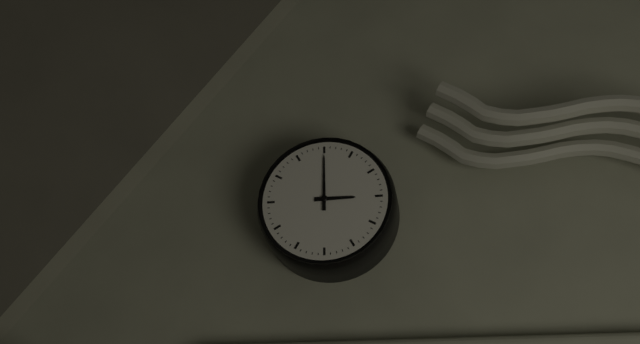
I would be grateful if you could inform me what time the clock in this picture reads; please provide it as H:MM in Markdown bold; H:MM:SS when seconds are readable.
**3:00**
